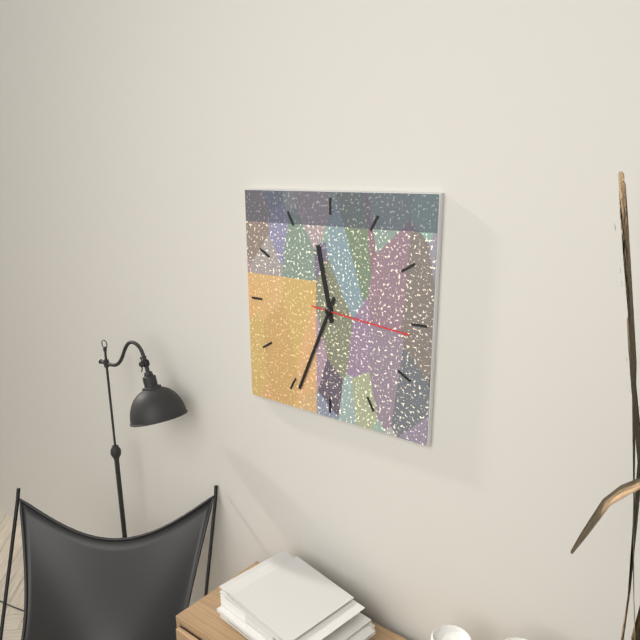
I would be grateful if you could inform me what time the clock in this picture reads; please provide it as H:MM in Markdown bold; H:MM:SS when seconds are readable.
**11:34:16**
